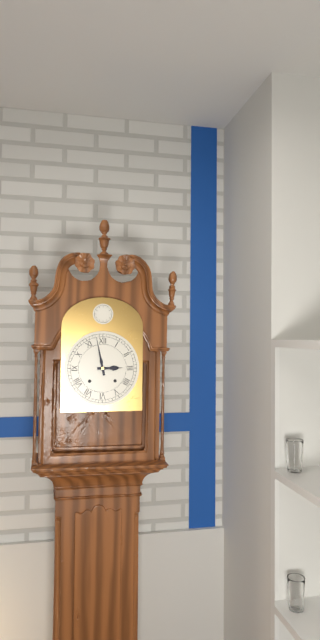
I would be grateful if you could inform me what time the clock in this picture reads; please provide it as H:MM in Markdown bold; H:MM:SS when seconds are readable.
**2:58**
